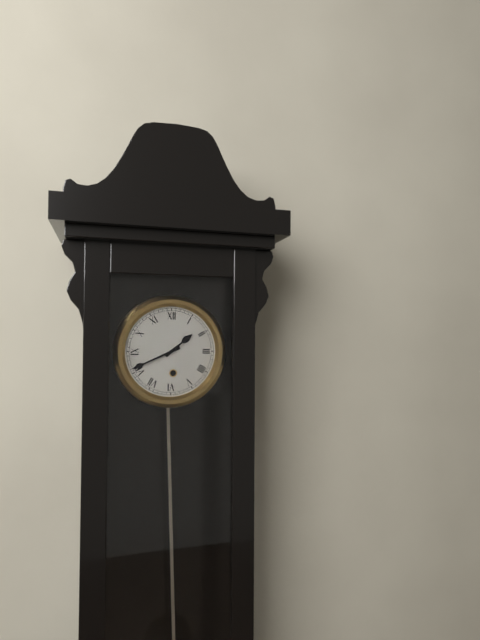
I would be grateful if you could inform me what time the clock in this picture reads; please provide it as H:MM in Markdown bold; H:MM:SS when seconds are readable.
**1:41**
